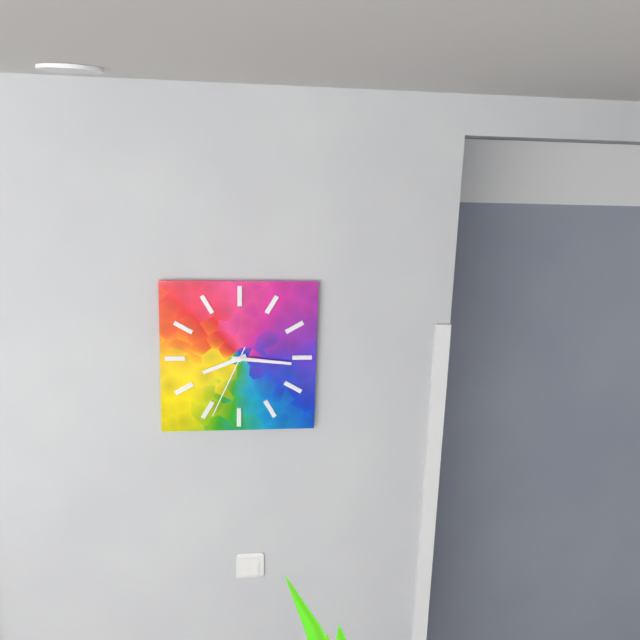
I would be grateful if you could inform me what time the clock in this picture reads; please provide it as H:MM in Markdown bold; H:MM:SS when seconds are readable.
**8:16:34**
